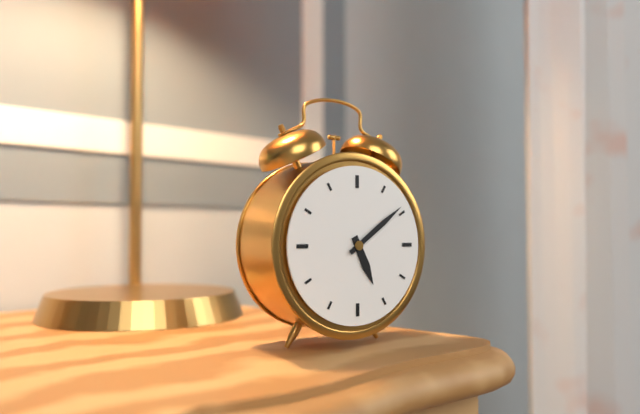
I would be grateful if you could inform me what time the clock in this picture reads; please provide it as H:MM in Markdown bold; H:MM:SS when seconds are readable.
**5:09**
